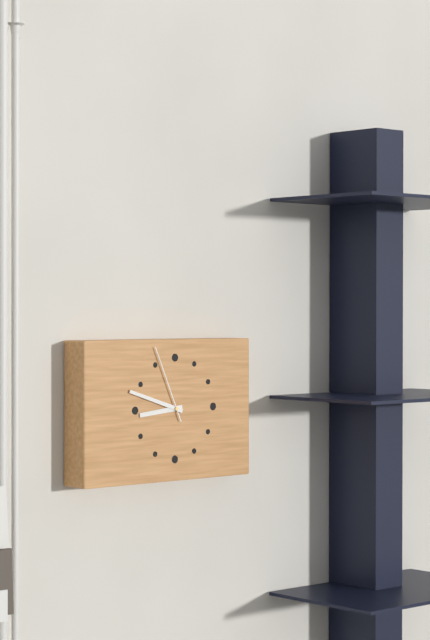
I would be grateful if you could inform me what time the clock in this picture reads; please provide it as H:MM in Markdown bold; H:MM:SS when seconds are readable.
**8:48:56**
